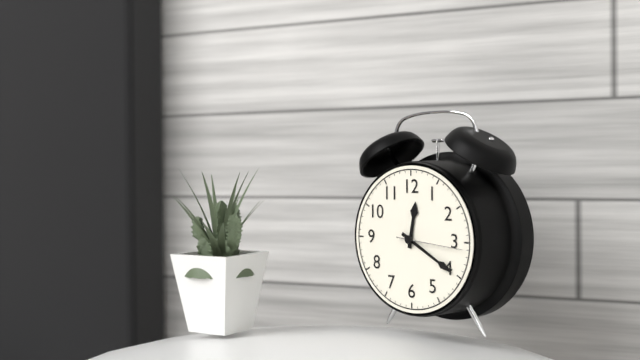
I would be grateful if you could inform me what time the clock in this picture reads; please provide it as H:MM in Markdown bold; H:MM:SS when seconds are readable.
**12:20:16**
